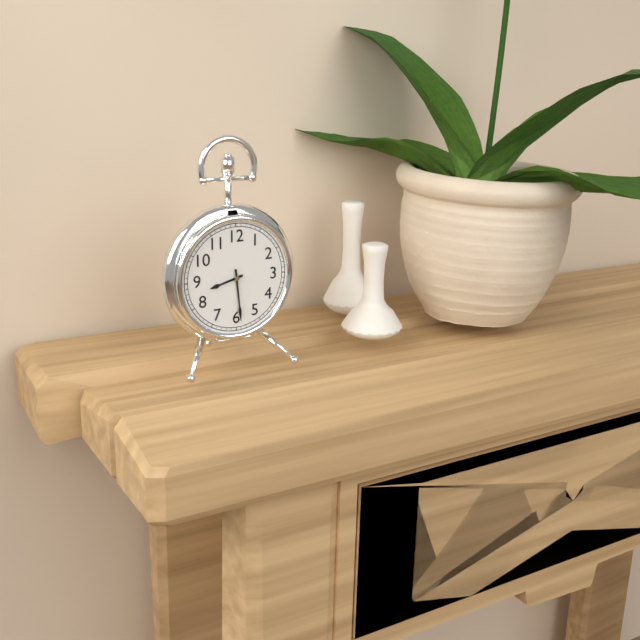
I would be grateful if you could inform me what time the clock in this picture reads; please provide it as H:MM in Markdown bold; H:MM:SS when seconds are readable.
**8:29**
